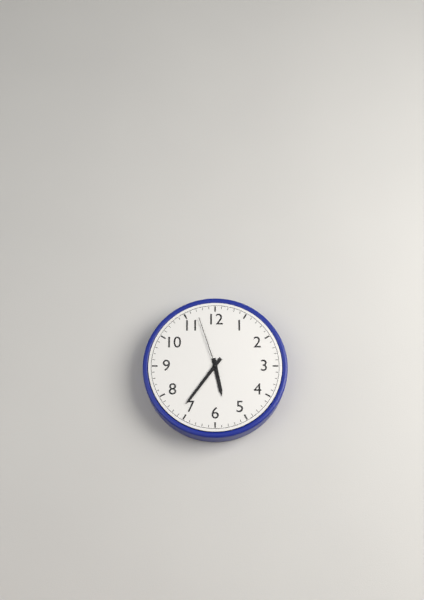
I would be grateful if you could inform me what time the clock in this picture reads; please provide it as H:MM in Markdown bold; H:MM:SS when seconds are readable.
**5:36:57**
